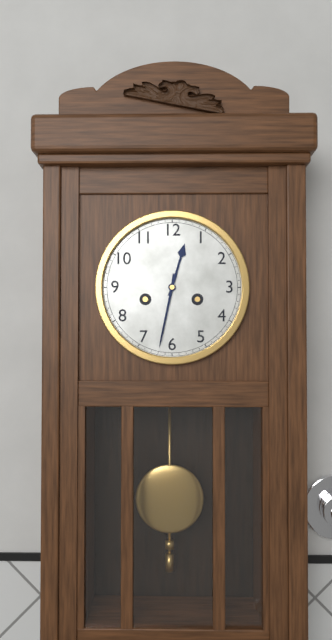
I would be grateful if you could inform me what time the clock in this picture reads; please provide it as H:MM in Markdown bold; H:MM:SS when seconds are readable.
**12:32**
